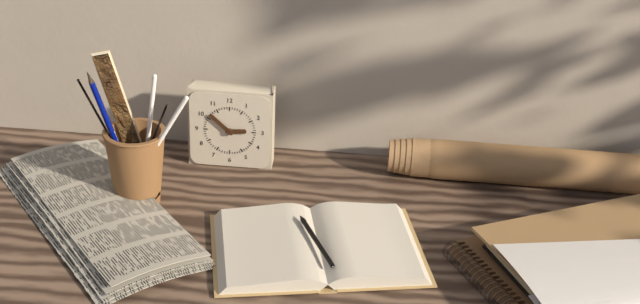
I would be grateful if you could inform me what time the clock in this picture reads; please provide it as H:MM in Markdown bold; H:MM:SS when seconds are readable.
**2:52**
